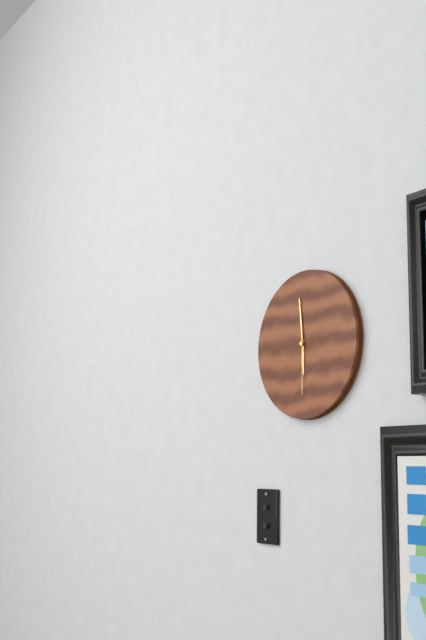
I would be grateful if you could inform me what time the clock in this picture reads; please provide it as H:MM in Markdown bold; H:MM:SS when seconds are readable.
**5:59:30**
